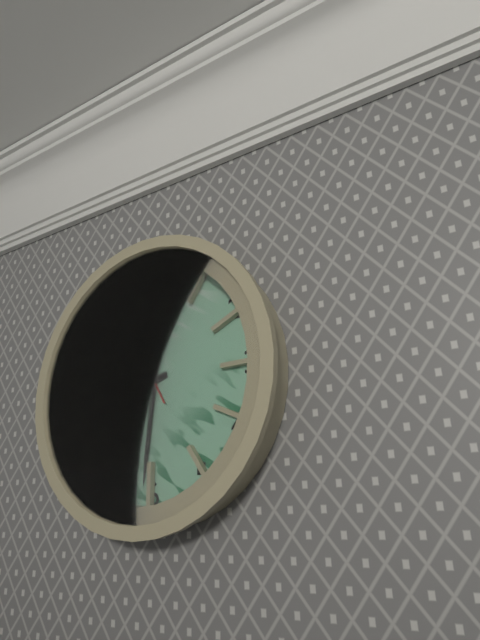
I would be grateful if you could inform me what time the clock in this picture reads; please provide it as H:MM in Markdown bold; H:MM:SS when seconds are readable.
**8:31:55**
